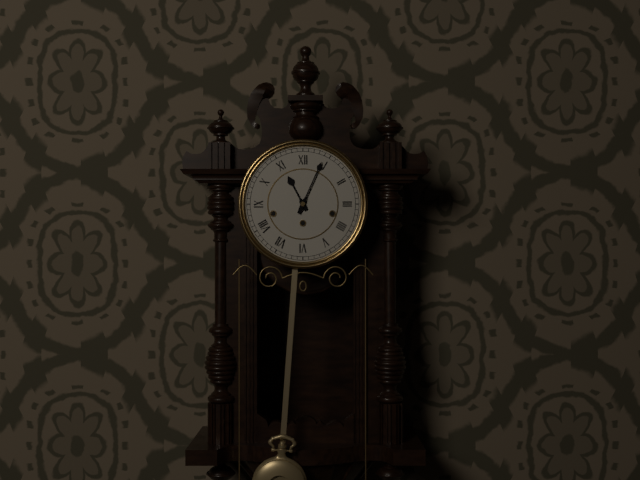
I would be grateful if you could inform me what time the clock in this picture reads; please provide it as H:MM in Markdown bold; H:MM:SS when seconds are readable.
**11:04**
